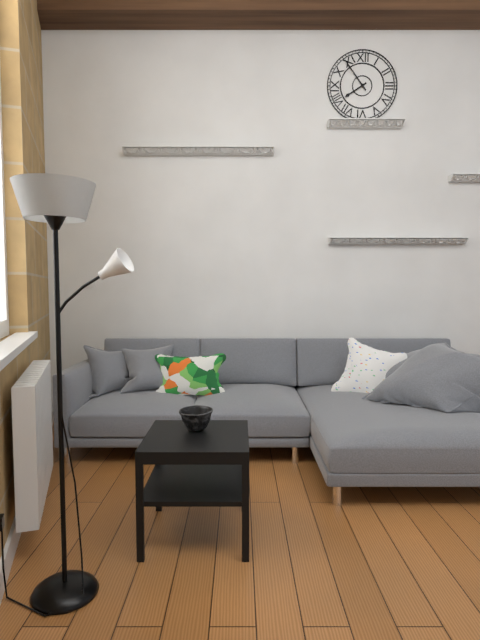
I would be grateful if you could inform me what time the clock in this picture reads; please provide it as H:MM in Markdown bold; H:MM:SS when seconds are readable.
**7:54**
